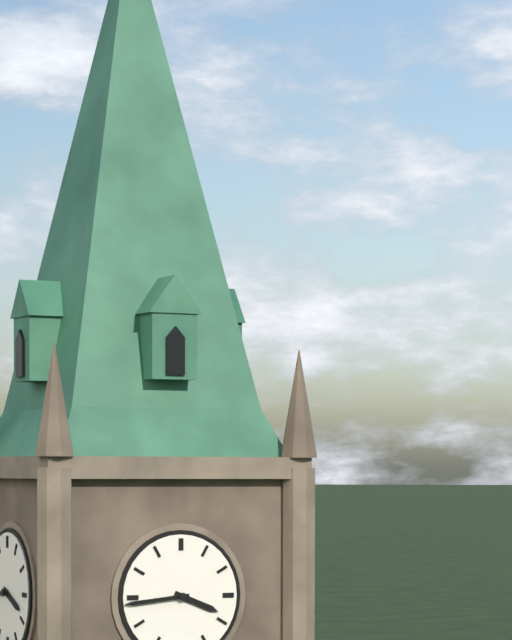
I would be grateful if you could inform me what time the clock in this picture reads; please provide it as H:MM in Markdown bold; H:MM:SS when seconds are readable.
**3:44**
